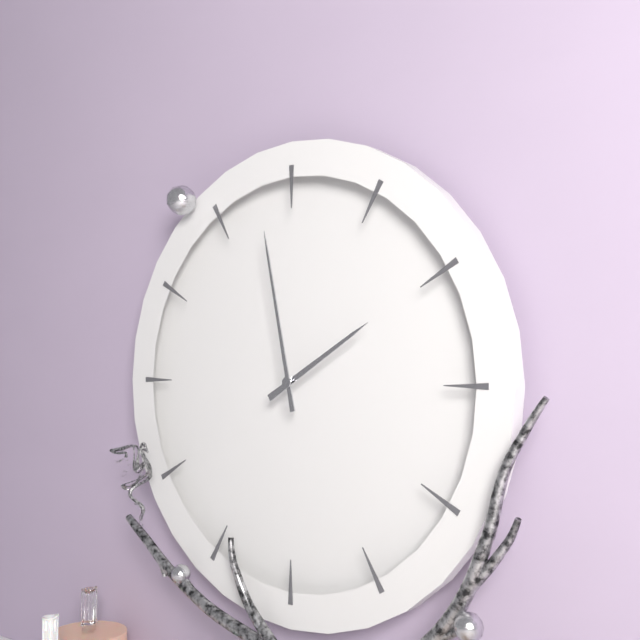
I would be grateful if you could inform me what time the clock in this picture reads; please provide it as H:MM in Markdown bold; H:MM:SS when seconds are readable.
**1:58**
